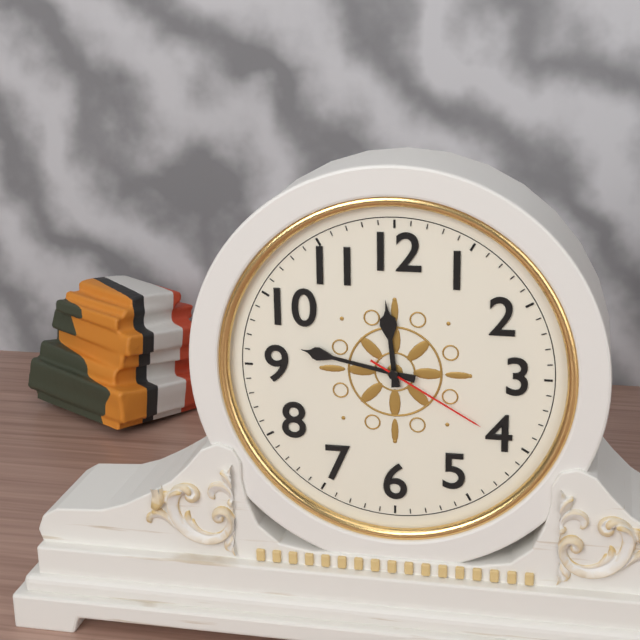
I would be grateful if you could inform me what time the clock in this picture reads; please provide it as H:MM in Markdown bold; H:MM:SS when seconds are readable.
**11:47:20**
